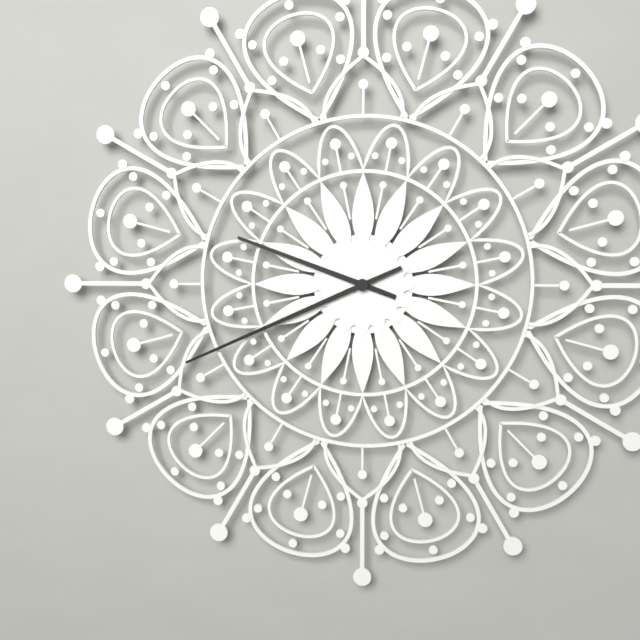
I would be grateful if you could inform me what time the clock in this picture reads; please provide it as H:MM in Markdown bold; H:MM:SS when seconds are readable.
**9:41**
